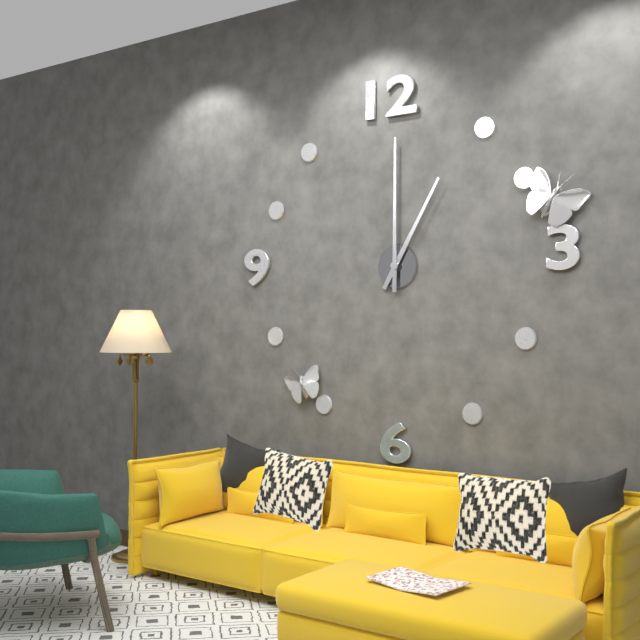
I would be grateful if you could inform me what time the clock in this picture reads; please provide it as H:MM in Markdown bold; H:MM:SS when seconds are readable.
**1:00**
